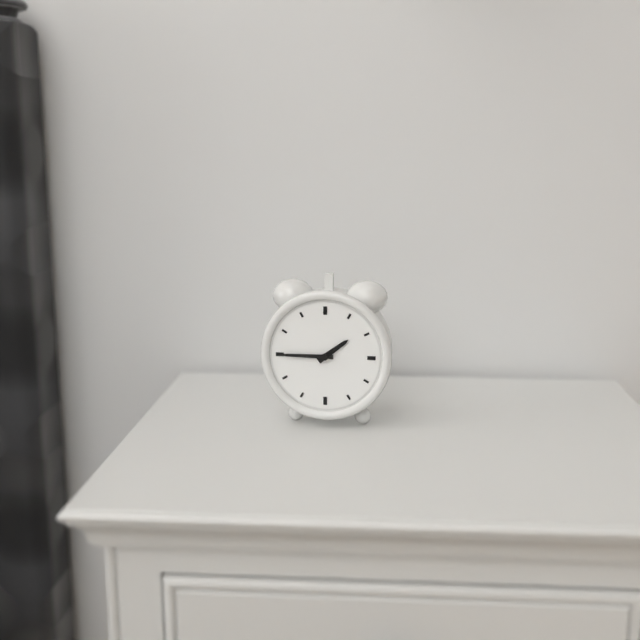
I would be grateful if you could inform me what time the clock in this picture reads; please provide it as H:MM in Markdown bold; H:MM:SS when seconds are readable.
**1:45**
